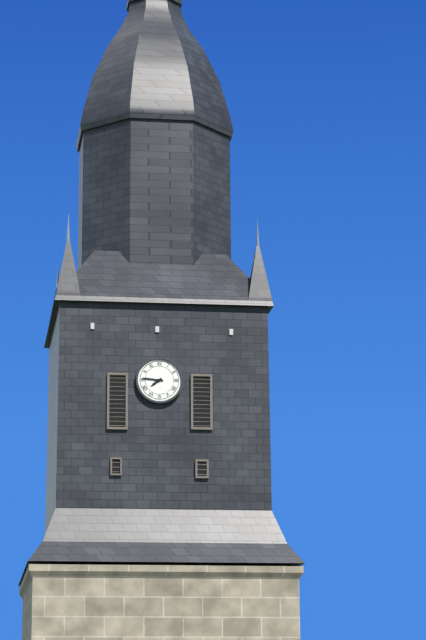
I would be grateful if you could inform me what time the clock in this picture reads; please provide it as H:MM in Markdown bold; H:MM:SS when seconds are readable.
**7:46**
